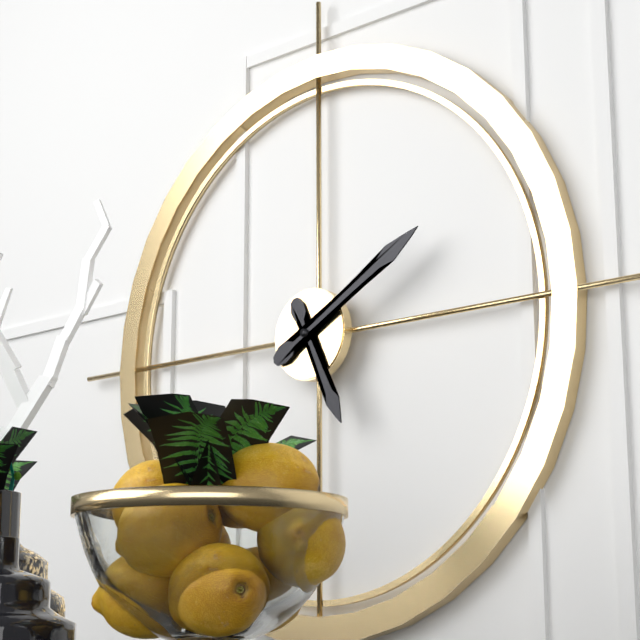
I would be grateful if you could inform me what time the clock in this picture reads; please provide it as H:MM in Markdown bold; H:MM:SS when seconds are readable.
**5:10**
